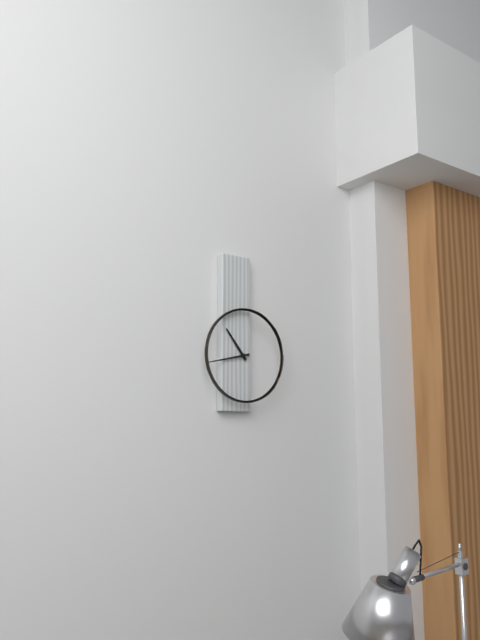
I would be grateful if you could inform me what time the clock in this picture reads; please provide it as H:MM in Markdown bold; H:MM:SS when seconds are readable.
**10:43**
